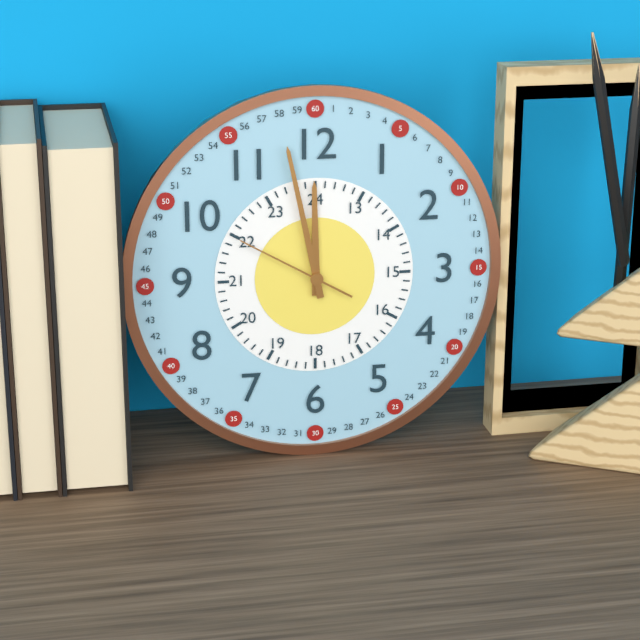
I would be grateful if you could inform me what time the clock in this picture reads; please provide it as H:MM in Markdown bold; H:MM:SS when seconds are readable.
**11:58:50**
